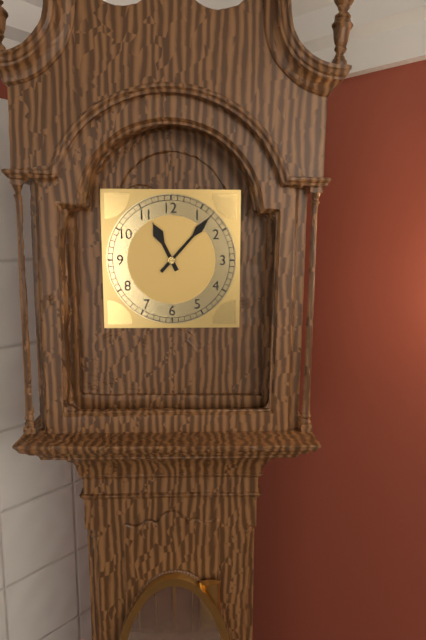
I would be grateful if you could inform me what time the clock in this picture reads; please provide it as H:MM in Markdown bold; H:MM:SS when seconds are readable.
**11:07**
